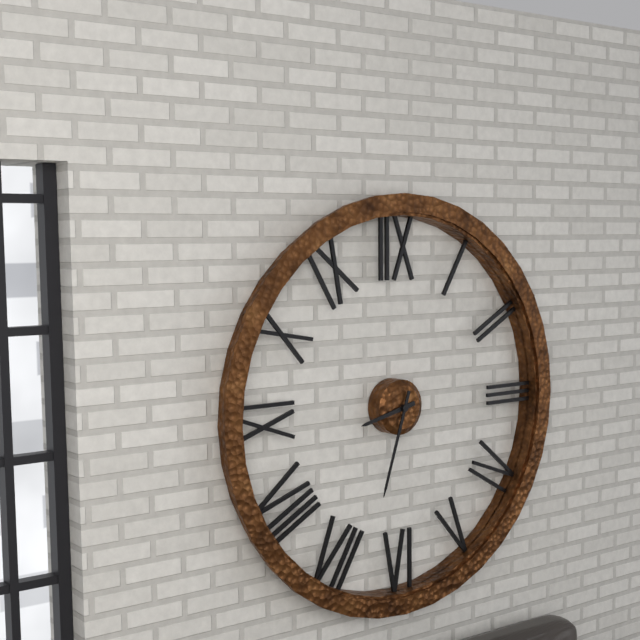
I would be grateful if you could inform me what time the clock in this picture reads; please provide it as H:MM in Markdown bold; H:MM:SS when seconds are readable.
**8:33**
